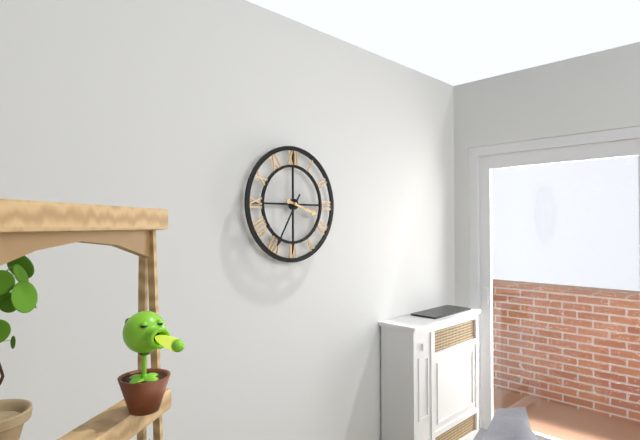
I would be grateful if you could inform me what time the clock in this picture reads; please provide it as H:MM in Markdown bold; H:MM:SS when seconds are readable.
**3:35**
